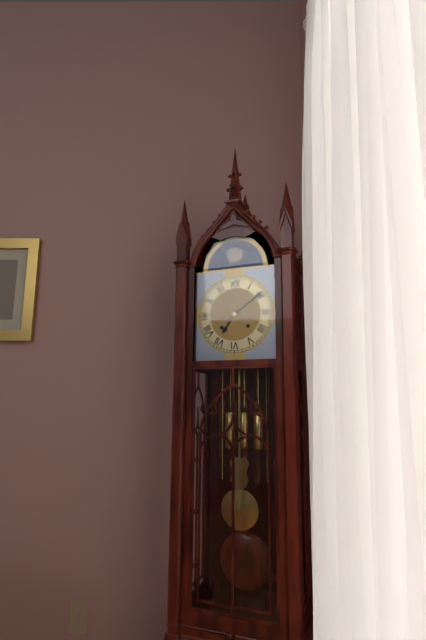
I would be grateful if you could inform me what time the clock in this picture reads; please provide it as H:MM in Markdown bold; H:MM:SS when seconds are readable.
**7:09**
